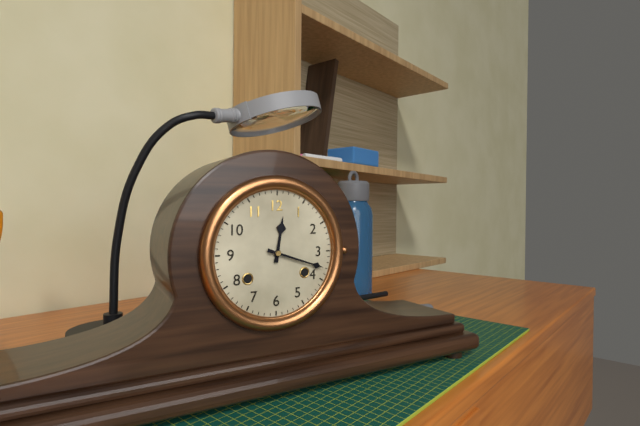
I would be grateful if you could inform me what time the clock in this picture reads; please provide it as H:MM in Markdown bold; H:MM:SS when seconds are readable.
**12:18**
